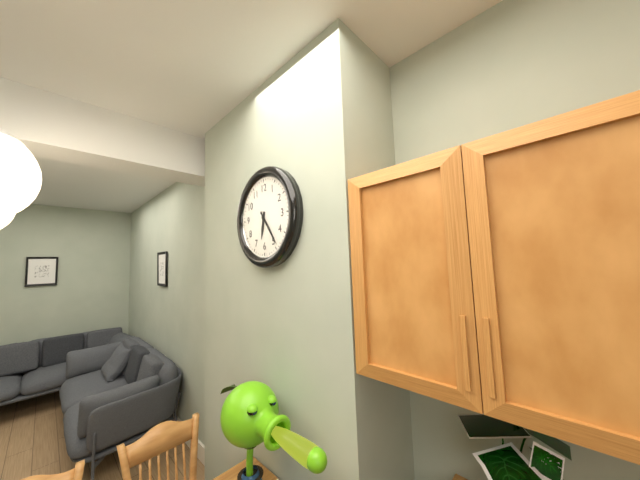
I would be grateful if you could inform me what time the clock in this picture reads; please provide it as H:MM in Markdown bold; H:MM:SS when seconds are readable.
**6:24**
